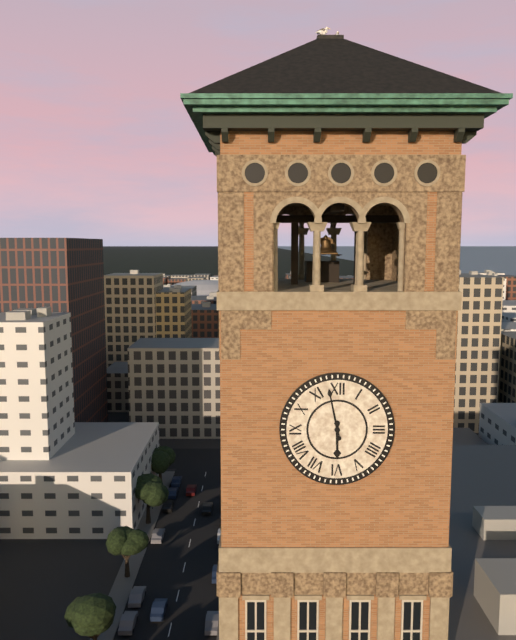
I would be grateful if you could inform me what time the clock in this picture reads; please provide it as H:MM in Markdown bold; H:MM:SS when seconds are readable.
**5:58**
